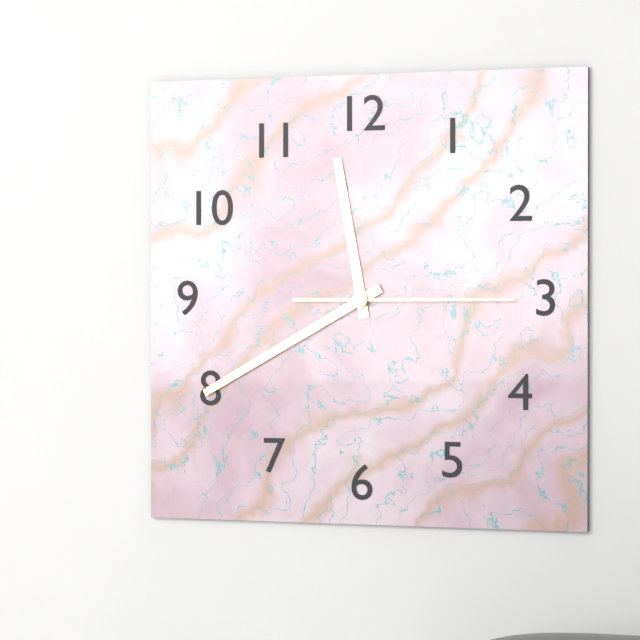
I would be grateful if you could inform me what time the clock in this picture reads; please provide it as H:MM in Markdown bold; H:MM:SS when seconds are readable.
**11:40:15**
